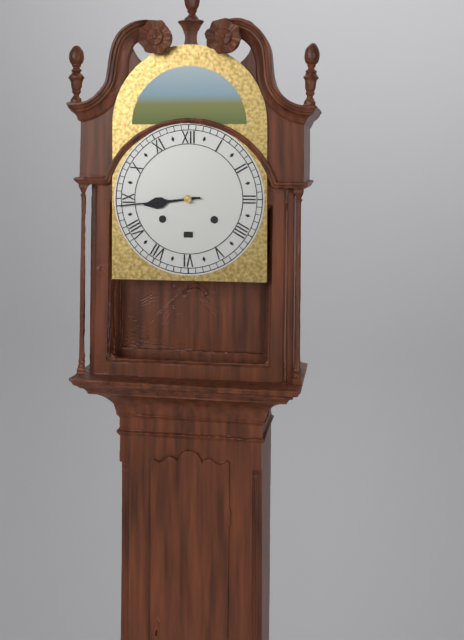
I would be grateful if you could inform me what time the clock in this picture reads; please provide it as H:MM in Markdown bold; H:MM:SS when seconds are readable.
**8:44**
